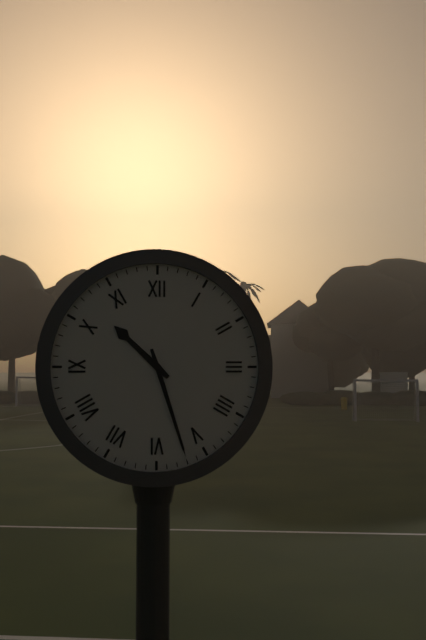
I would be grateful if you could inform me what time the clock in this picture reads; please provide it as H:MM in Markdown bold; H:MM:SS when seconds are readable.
**10:27**
